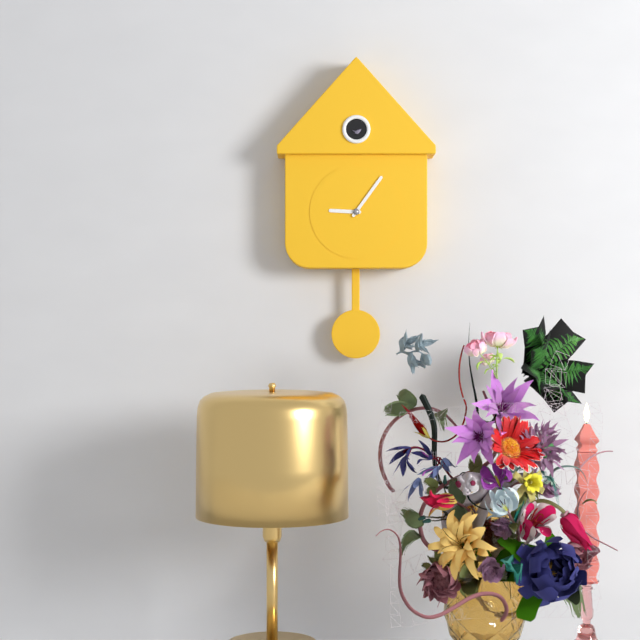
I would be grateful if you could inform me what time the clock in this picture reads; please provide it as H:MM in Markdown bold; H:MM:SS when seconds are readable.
**9:06**
